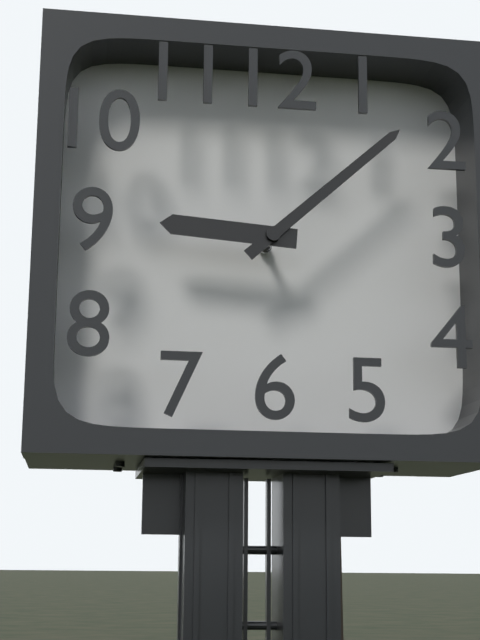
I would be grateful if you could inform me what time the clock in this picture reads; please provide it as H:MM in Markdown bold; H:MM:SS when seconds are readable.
**9:08**
